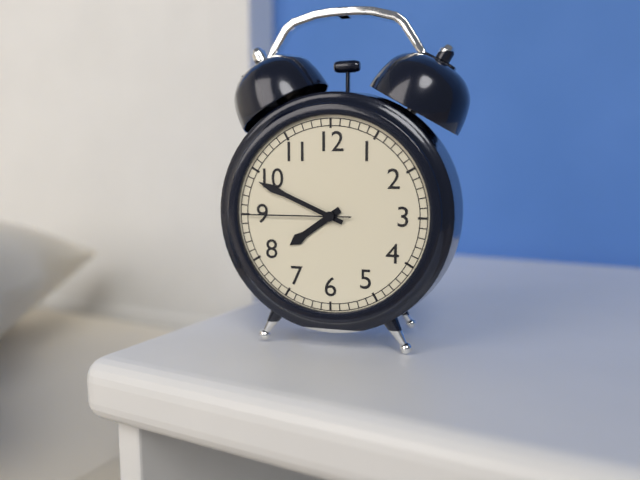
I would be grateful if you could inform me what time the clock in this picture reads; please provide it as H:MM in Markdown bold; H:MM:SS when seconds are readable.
**7:49:45**
